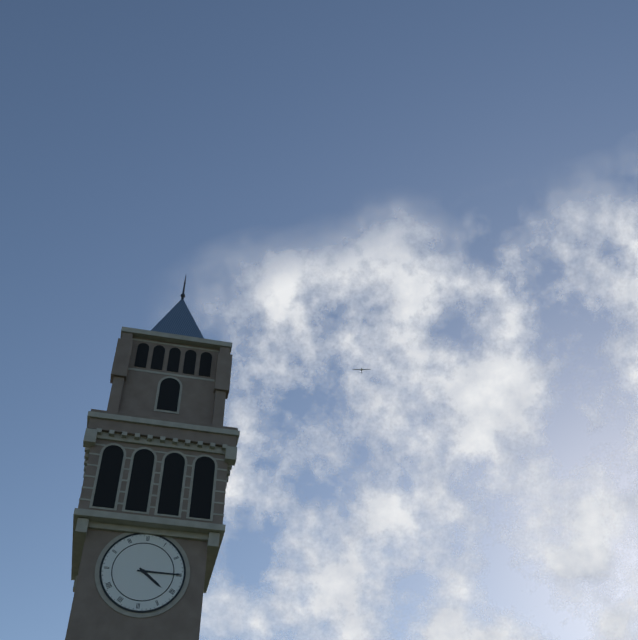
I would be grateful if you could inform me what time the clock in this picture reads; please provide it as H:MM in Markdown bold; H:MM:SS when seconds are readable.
**4:15**
